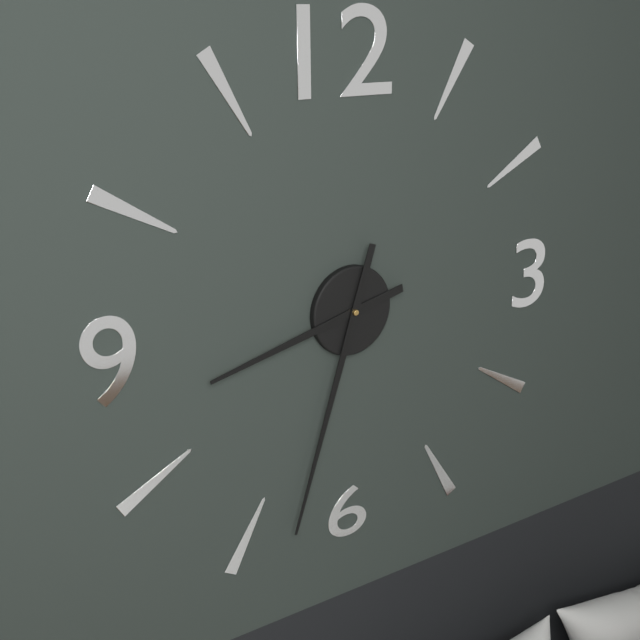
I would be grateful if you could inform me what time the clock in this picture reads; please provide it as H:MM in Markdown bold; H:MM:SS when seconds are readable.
**8:33**
